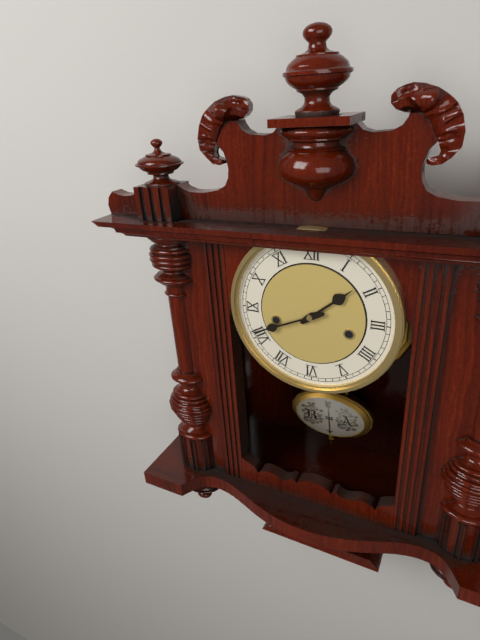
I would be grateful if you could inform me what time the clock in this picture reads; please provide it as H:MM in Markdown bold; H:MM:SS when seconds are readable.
**1:41**
